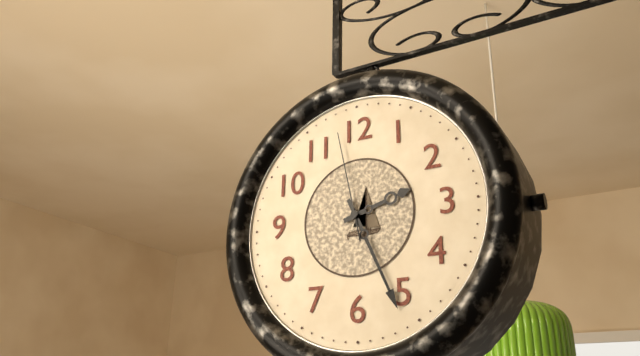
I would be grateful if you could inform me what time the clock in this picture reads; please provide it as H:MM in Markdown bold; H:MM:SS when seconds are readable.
**2:26:58**
